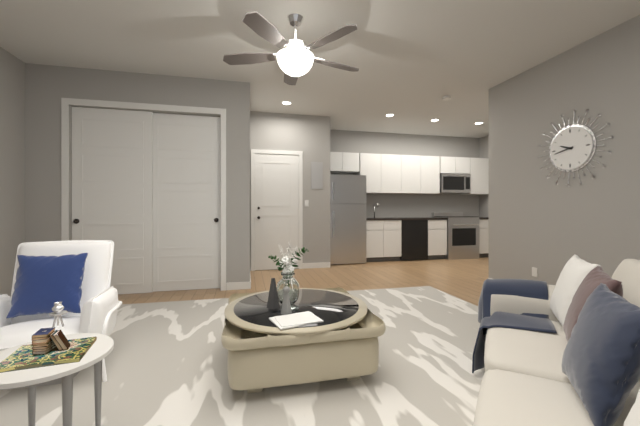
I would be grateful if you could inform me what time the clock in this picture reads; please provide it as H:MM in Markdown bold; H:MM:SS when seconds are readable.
**9:43**
